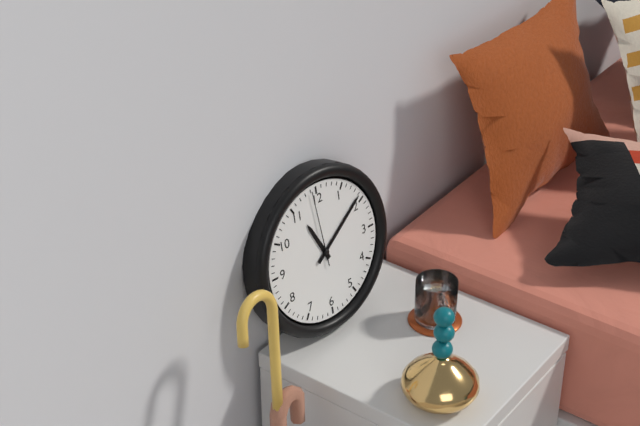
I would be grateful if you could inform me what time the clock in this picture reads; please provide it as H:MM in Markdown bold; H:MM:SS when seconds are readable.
**11:09:59**
